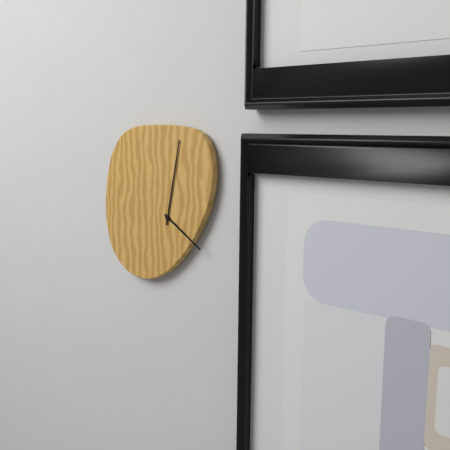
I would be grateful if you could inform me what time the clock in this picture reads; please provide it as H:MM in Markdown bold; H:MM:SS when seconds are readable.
**4:02**
